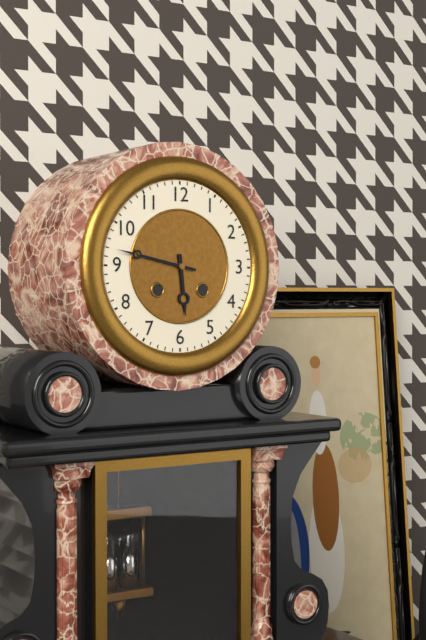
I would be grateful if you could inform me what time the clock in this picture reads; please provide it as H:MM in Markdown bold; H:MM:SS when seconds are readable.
**5:47**
